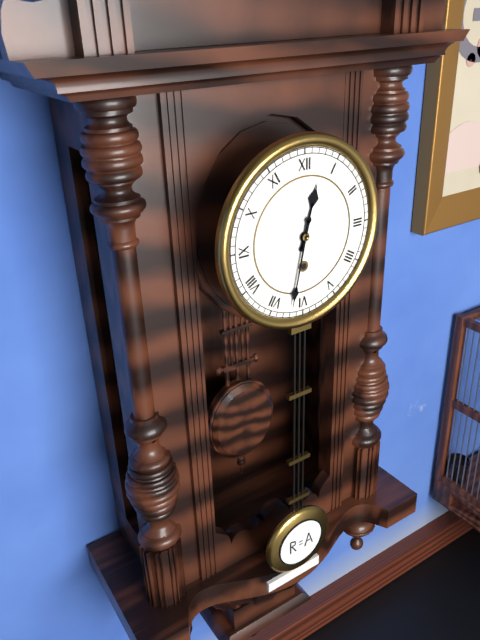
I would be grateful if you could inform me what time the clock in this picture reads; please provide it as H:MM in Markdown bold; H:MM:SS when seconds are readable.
**12:32**
